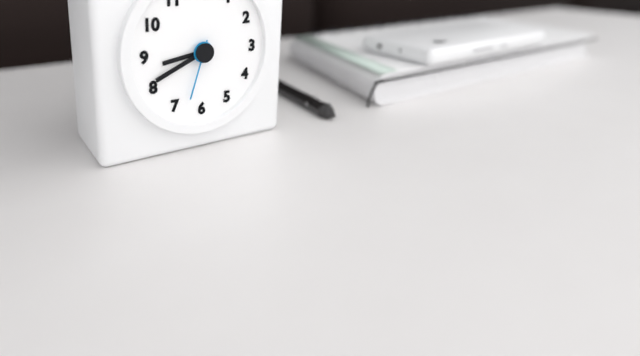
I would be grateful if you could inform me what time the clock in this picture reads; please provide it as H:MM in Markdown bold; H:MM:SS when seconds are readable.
**8:41:33**
